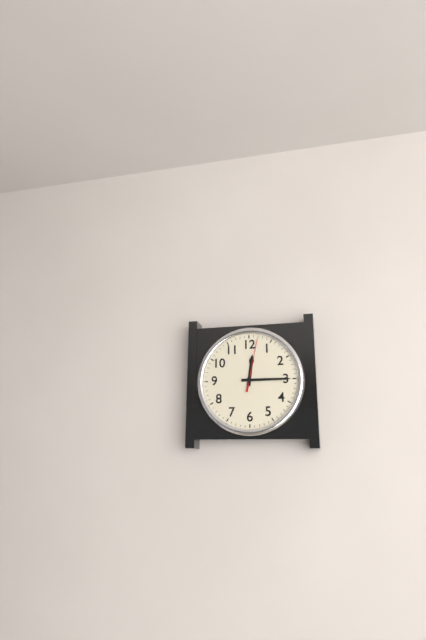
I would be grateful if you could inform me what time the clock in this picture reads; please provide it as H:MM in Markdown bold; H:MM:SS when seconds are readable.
**12:15:02**
